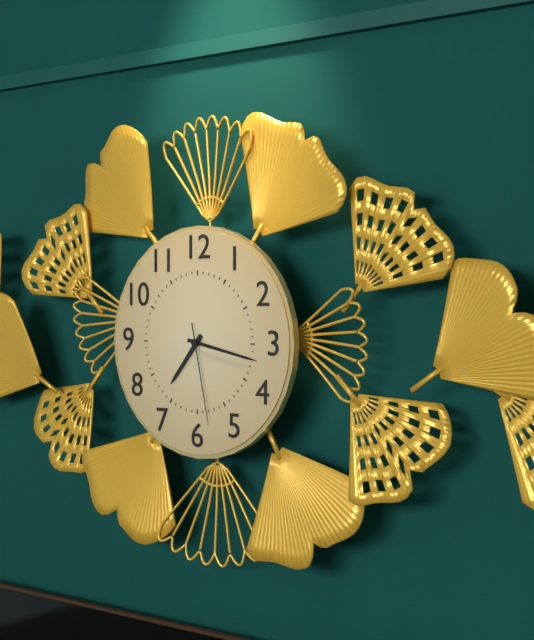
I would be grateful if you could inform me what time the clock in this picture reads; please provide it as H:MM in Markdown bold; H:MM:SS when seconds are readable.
**7:17:28**
